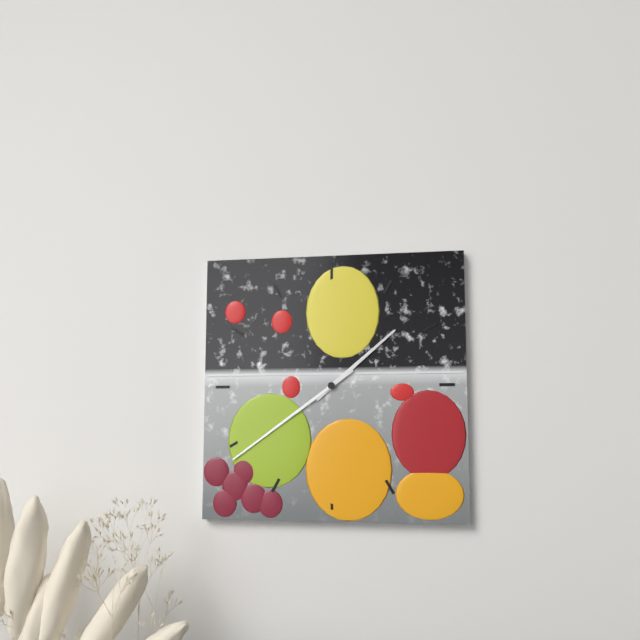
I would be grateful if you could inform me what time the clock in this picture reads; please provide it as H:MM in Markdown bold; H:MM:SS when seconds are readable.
**1:39**
